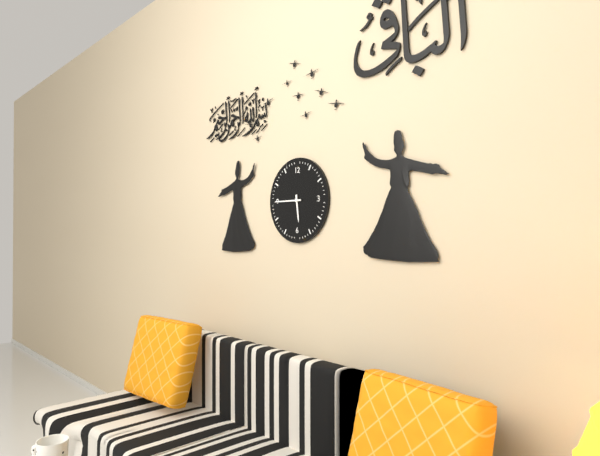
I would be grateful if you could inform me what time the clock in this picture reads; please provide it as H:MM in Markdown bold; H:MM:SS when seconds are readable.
**5:45**
